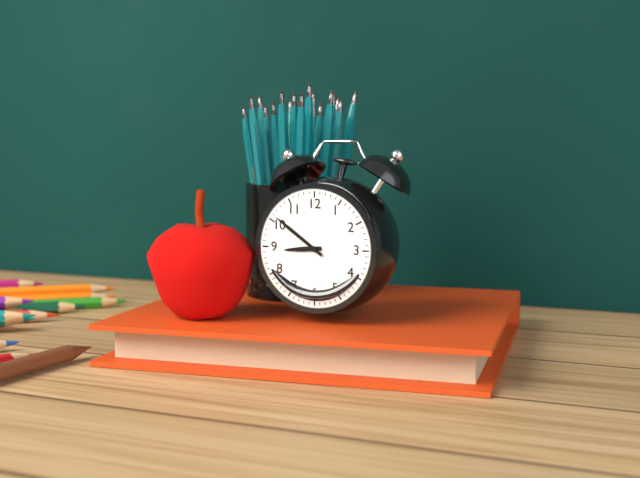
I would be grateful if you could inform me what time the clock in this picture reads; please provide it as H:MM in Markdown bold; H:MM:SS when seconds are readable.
**8:51**
